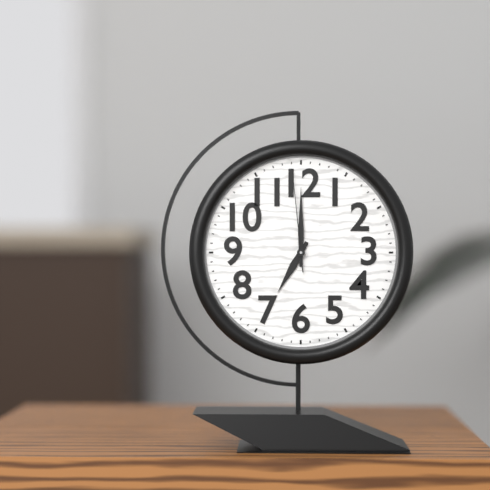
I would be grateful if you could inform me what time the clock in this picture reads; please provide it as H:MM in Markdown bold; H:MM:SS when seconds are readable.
**7:00:59**
